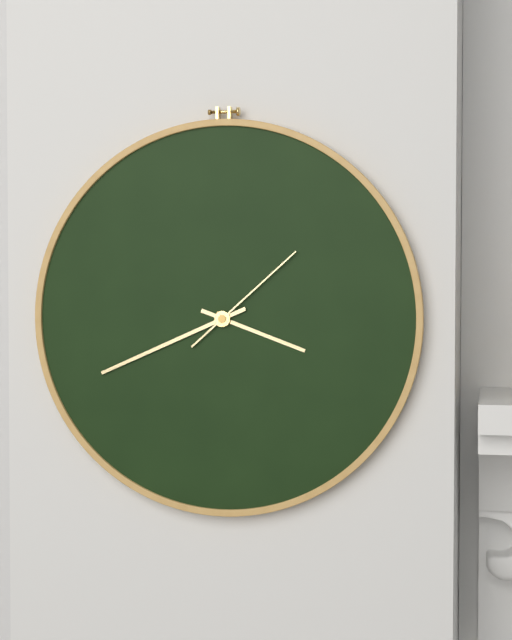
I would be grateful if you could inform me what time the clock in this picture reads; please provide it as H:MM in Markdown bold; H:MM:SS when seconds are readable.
**3:41:08**
